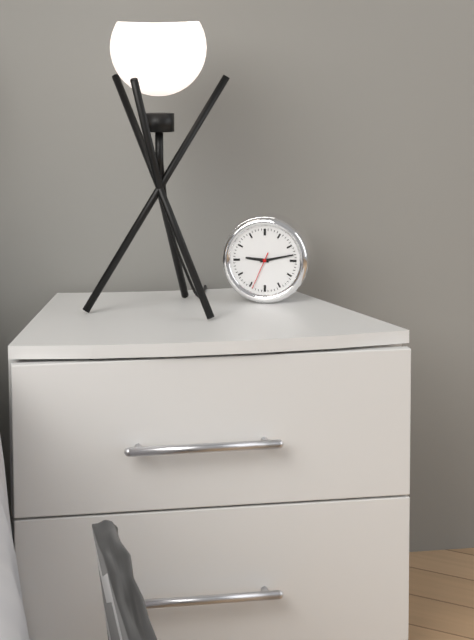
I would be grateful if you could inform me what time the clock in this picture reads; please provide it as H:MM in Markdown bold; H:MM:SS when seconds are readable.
**9:13**
